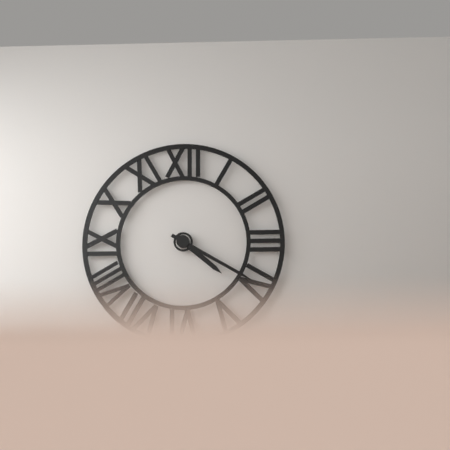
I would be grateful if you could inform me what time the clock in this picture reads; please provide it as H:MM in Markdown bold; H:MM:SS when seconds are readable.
**4:20**
